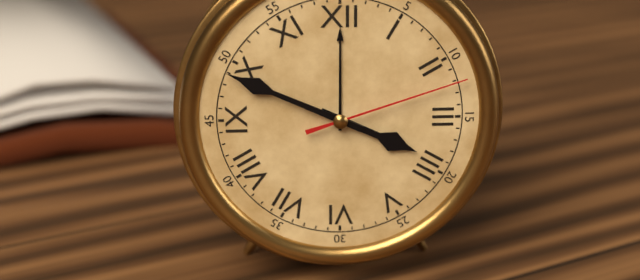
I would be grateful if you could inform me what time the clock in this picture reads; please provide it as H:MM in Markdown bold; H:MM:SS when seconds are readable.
**3:49:12**
